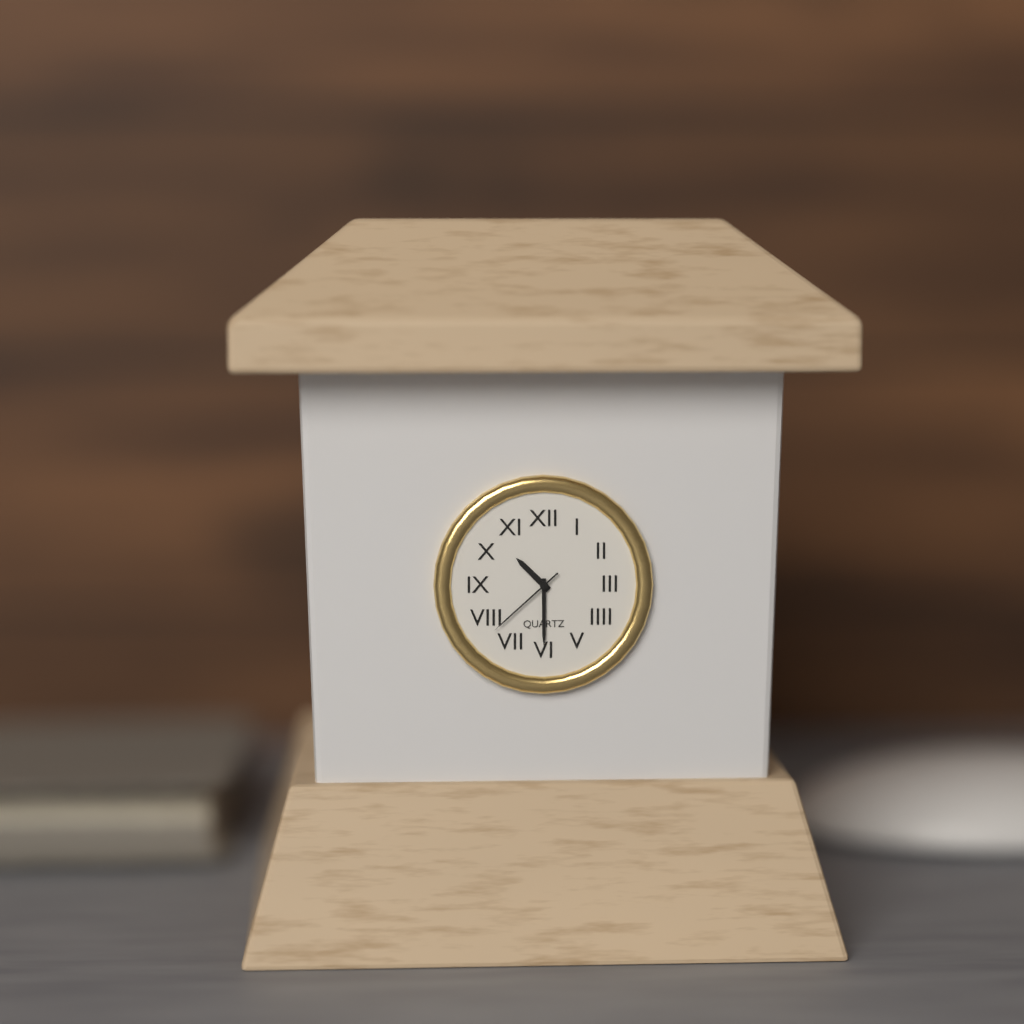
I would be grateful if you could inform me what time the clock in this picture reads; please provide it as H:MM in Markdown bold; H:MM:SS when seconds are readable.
**10:30:38**
